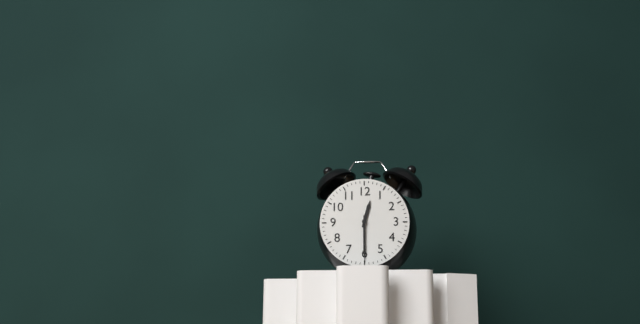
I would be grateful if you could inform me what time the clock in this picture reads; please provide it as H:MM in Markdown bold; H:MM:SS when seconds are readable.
**12:30**
